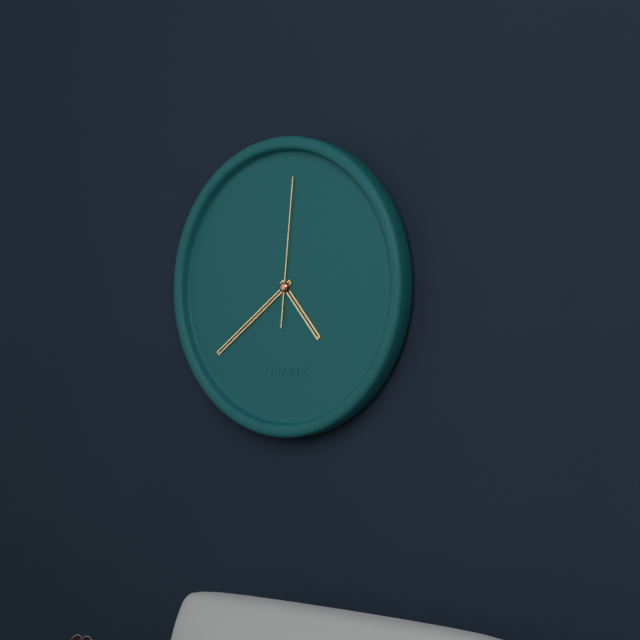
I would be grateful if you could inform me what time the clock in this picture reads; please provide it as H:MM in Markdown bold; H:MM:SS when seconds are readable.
**4:39:01**
